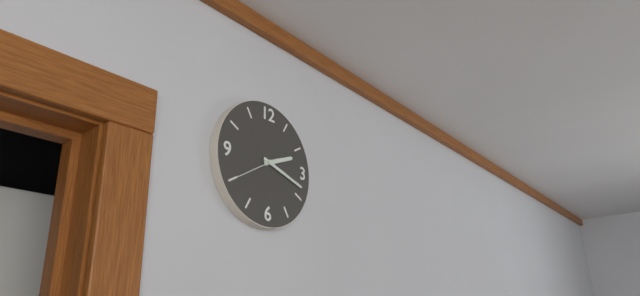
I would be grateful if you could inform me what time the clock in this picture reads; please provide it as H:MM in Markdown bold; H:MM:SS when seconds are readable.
**2:18:40**
